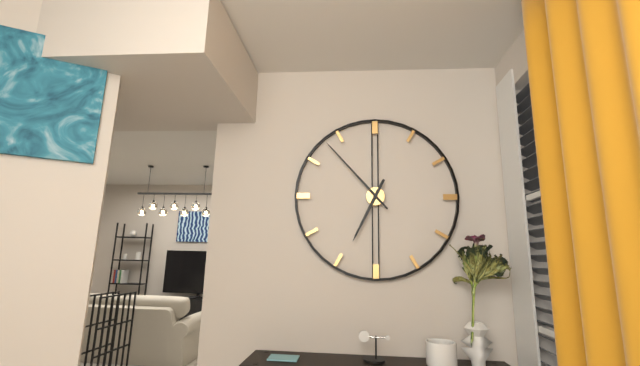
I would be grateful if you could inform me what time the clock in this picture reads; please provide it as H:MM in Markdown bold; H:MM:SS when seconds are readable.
**6:53**
